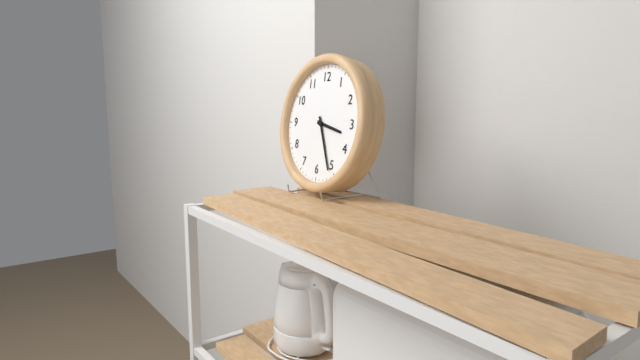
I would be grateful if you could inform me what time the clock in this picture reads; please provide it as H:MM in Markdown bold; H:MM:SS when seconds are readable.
**3:26**
